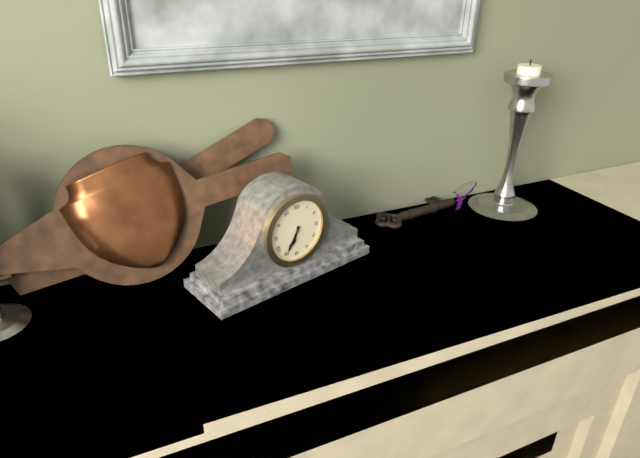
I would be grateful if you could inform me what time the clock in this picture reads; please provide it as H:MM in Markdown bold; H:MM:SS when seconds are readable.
**6:35**
